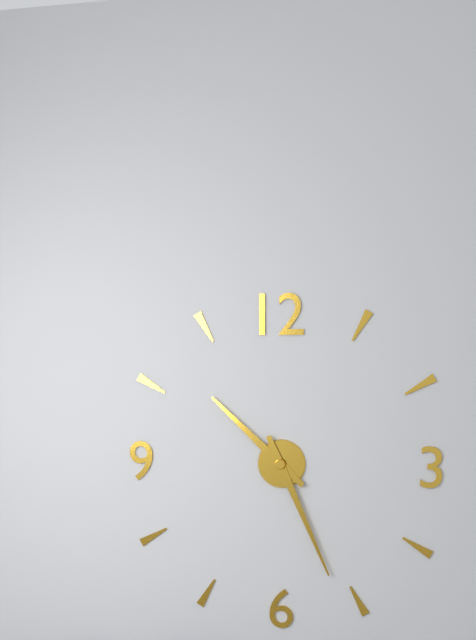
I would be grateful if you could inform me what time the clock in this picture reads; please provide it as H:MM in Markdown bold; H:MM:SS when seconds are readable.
**10:26**
